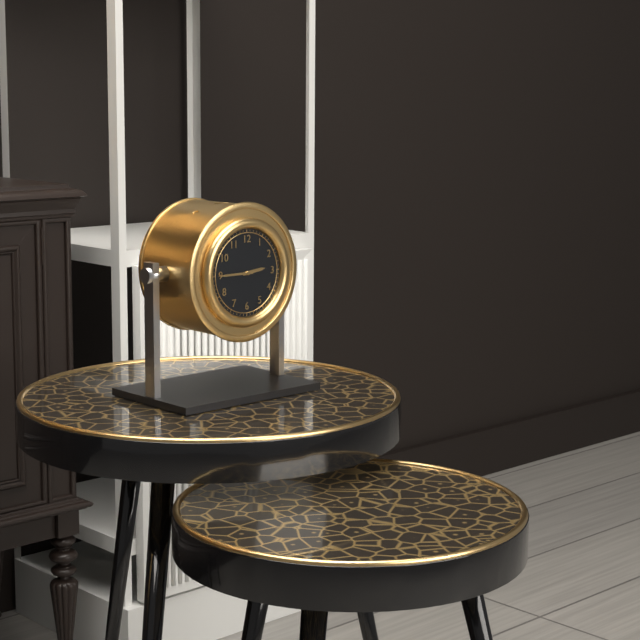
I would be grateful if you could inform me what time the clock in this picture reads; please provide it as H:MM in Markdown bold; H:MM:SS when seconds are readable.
**2:45**
